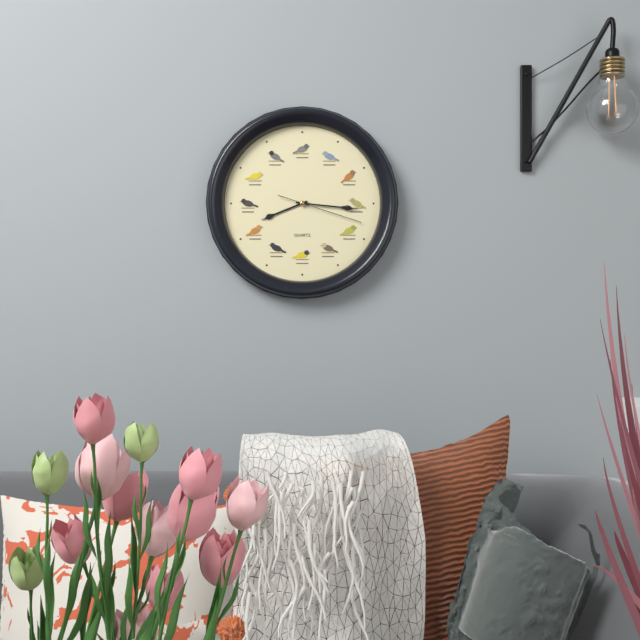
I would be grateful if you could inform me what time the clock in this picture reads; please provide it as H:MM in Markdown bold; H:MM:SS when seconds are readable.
**8:16:18**
